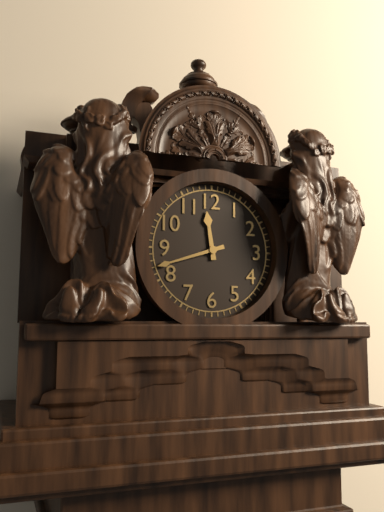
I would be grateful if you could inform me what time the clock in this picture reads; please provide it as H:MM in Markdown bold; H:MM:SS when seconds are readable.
**11:42**
